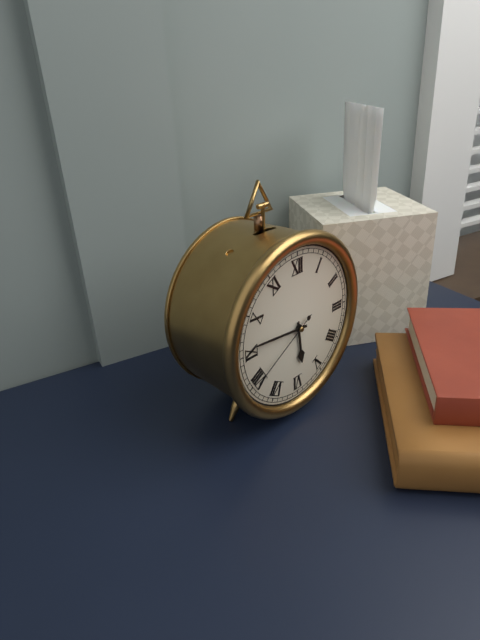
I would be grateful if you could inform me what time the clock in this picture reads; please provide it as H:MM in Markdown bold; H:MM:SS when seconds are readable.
**5:46:40**
